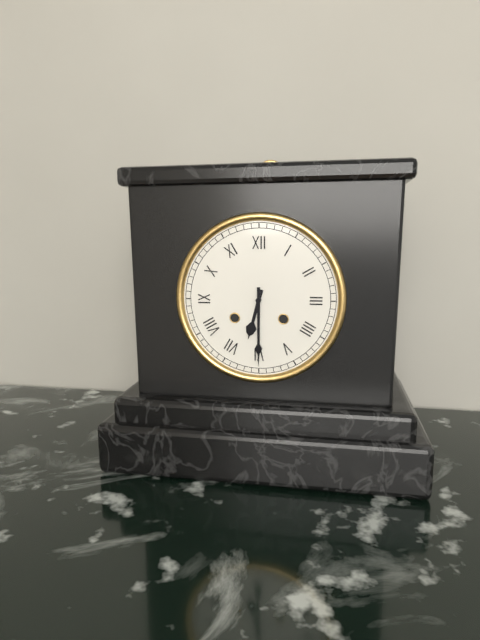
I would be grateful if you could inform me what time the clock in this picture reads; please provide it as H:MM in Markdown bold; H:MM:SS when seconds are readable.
**6:30**
